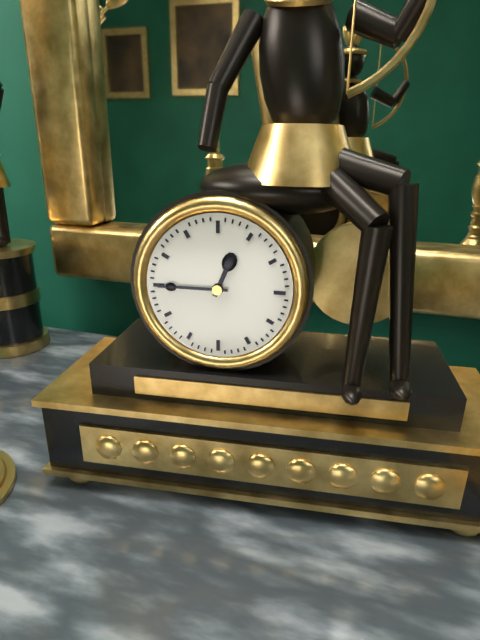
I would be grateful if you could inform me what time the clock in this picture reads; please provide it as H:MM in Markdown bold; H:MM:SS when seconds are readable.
**12:45**
